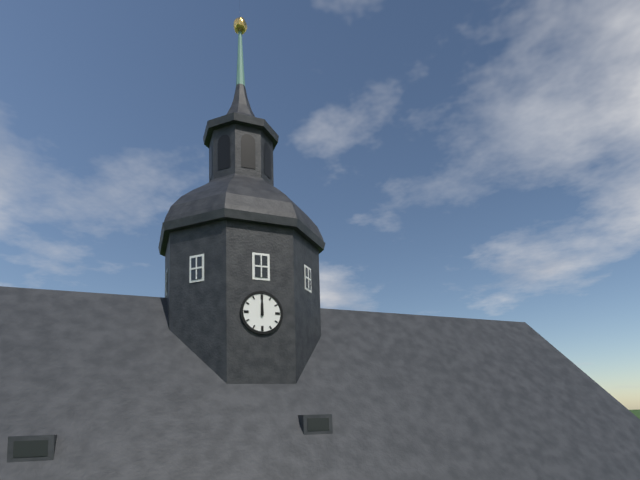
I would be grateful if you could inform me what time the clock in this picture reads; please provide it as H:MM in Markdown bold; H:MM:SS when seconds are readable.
**12:00**
